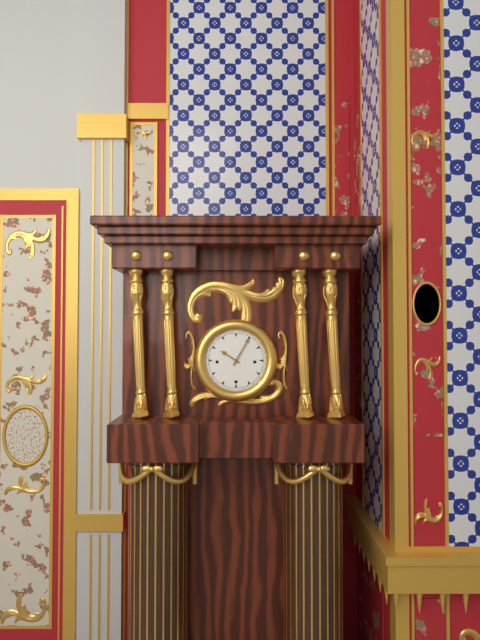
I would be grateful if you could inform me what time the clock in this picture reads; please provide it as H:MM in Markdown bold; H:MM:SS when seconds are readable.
**10:05**
